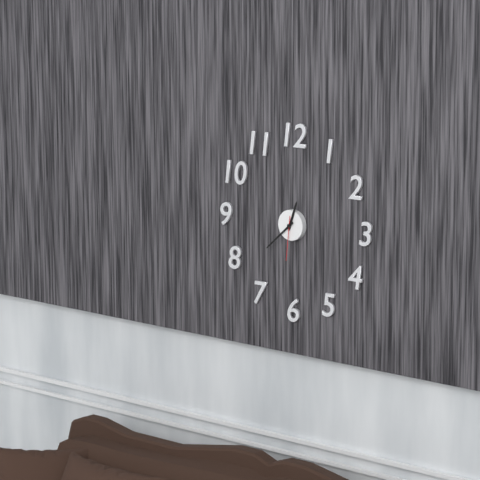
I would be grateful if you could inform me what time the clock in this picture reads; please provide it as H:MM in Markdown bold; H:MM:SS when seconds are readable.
**12:38**
